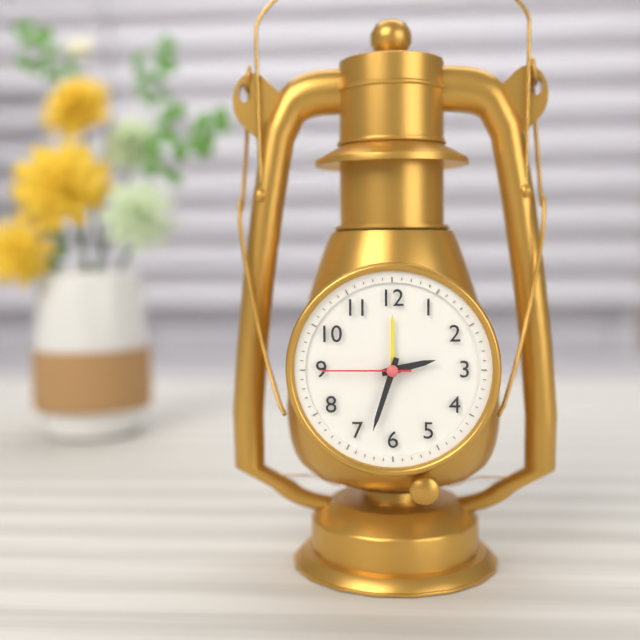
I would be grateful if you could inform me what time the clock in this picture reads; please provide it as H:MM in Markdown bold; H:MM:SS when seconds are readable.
**2:33:45**
